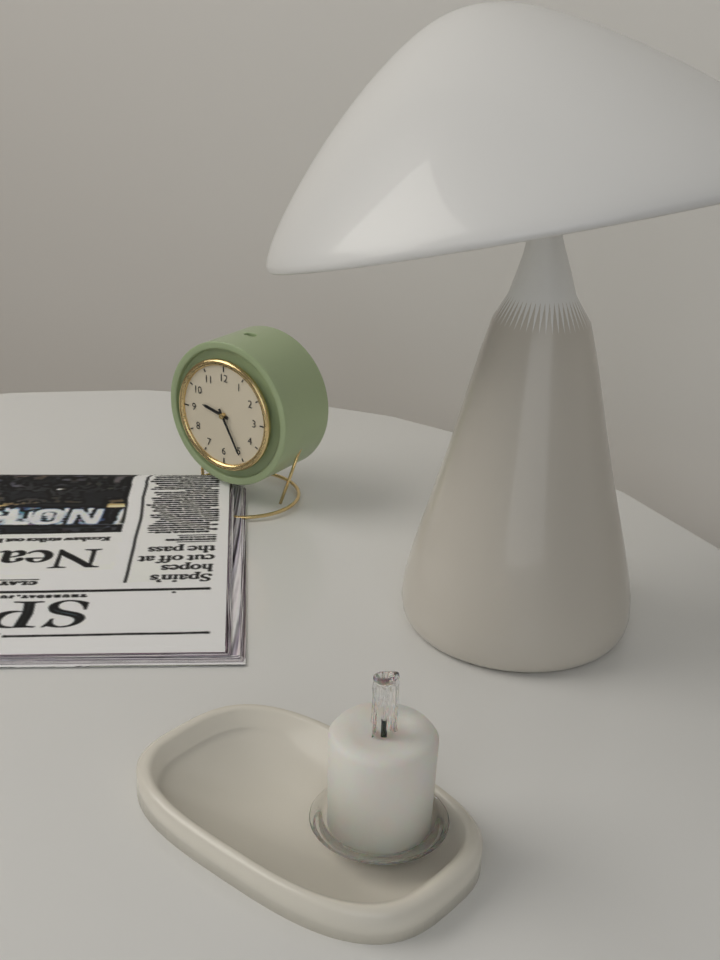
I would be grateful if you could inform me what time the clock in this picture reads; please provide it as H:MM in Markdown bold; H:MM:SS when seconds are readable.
**9:25**
